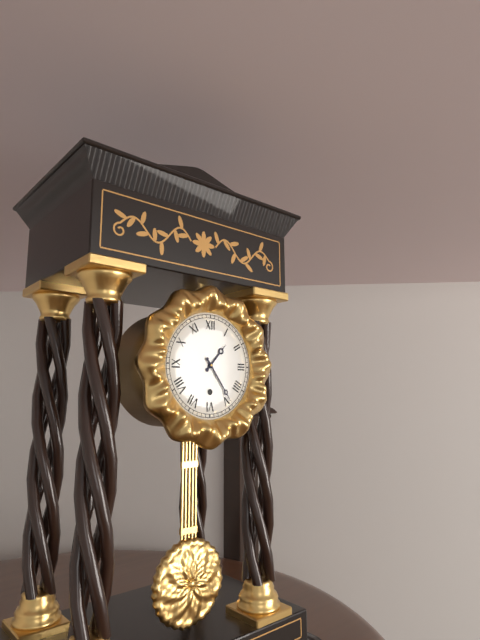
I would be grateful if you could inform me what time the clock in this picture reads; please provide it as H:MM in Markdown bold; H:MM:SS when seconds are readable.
**1:24**
